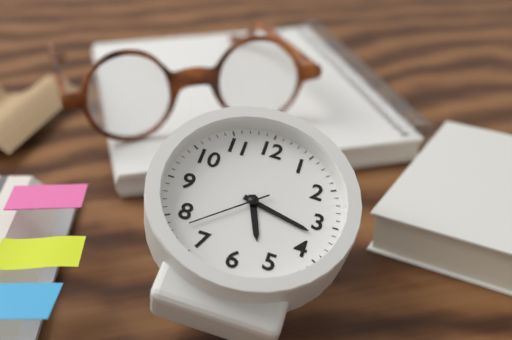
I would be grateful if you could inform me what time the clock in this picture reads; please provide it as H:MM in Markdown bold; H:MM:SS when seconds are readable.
**5:17:38**
